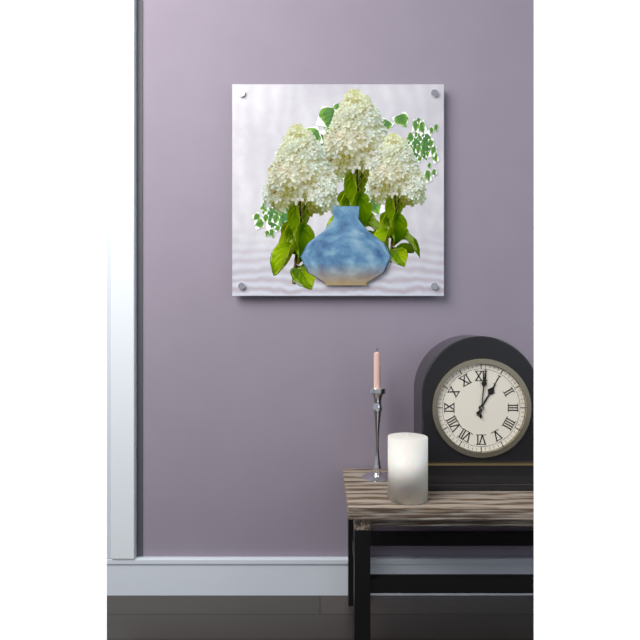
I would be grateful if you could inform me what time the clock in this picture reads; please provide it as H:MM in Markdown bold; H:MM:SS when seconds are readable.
**1:01**
